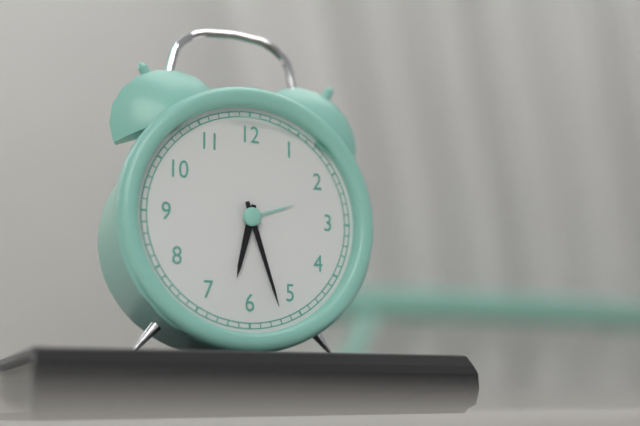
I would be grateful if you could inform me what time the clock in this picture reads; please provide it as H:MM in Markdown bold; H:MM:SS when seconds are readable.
**6:27**
